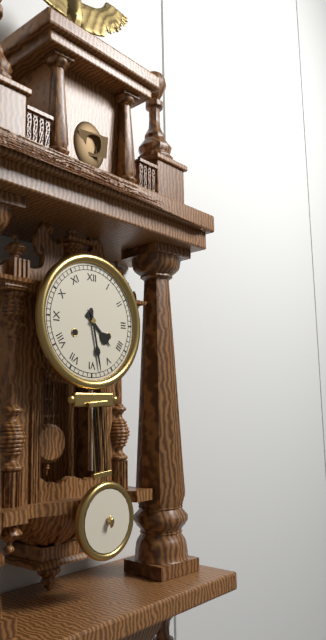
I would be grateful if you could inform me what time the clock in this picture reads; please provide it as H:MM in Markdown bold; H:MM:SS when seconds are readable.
**4:28**
